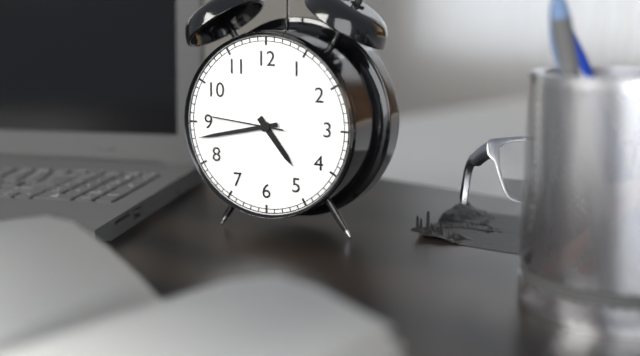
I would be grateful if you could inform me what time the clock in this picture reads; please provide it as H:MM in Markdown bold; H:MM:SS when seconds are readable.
**4:43:46**
